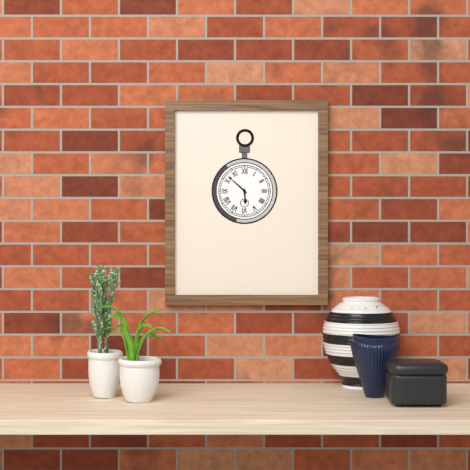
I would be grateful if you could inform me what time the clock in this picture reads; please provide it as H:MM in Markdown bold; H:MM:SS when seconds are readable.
**5:52**
